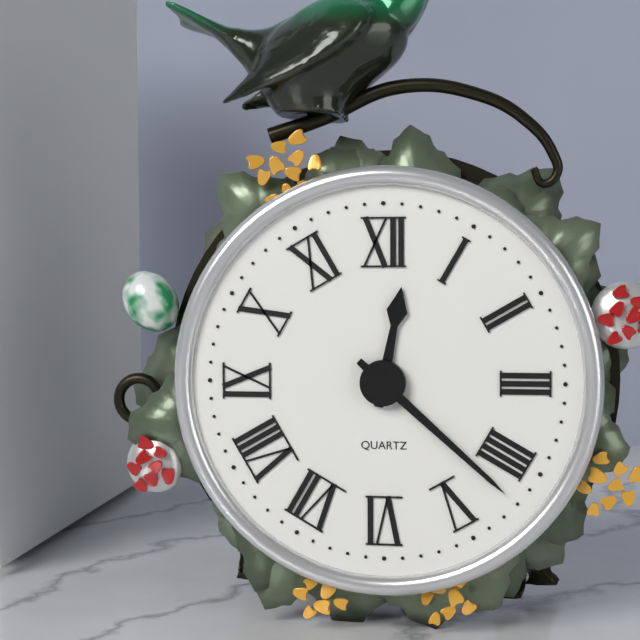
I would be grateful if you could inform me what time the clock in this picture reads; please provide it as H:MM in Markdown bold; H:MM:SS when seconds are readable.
**12:22**
